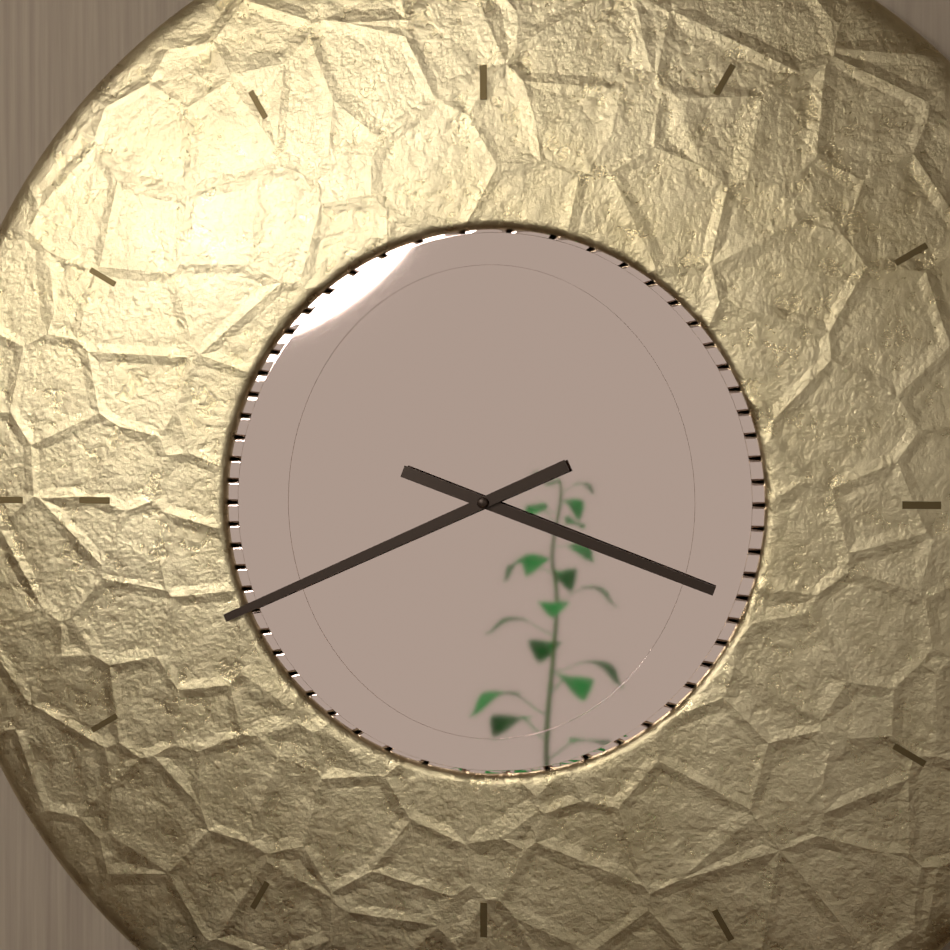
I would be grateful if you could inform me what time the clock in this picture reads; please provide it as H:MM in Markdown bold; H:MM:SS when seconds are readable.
**3:41**
